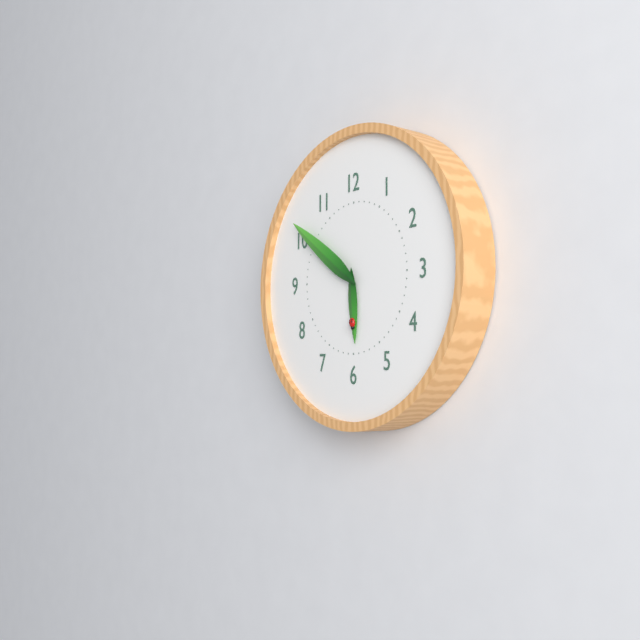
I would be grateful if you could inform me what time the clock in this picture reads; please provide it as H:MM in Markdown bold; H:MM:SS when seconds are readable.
**5:51**
